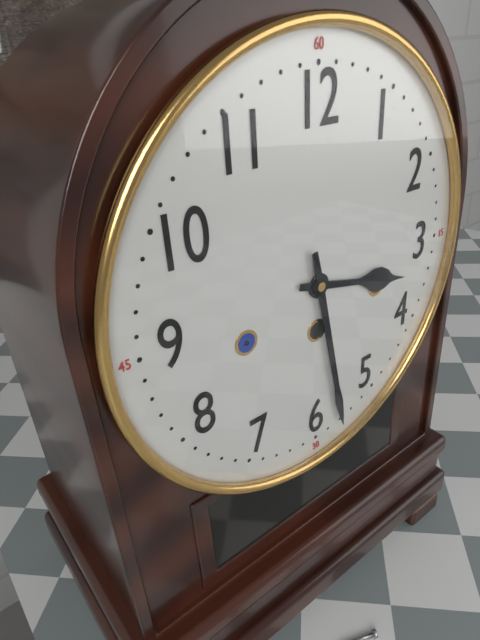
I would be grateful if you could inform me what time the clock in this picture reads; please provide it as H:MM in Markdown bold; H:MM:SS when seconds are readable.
**3:28**
